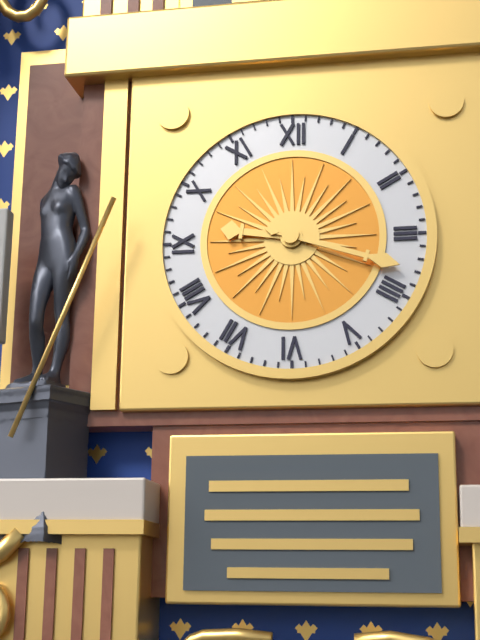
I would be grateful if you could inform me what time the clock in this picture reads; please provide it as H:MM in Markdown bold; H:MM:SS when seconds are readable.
**9:18**
